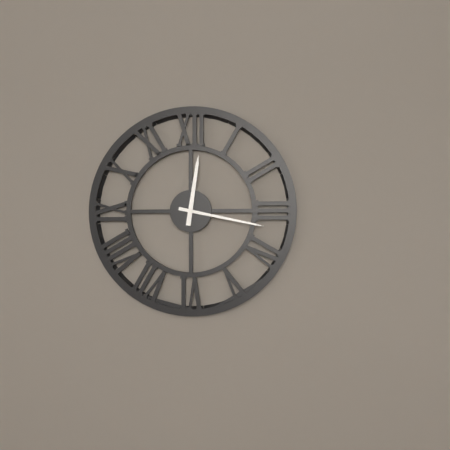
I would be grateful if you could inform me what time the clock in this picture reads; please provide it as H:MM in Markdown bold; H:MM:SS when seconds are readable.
**12:17**
